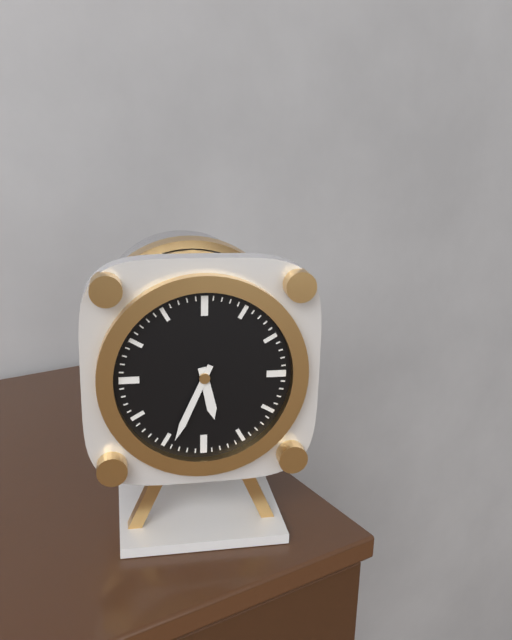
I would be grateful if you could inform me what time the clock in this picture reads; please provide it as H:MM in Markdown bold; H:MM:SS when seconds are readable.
**5:34**
